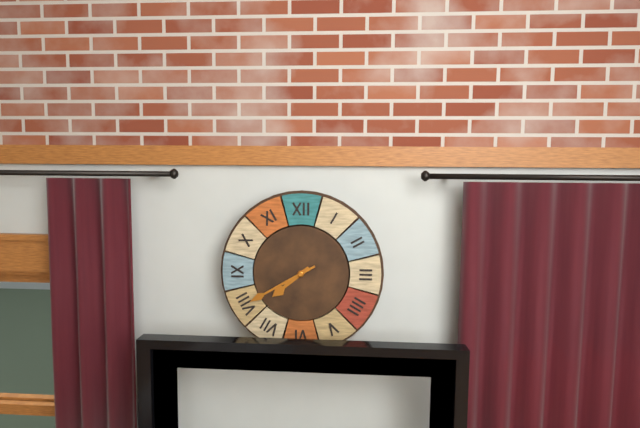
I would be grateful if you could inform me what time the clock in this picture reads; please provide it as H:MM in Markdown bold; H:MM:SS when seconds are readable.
**7:40**
